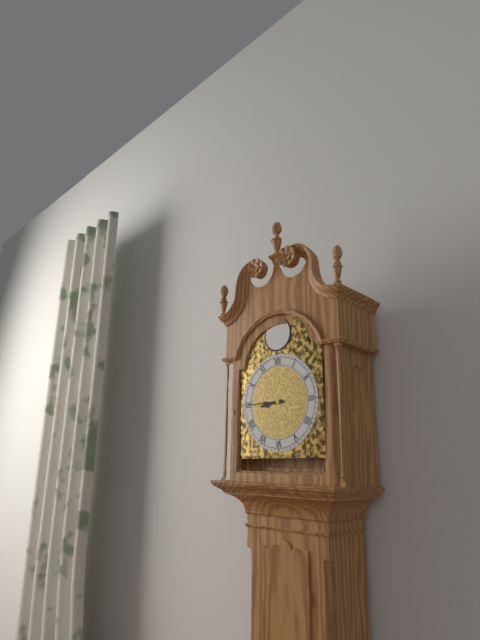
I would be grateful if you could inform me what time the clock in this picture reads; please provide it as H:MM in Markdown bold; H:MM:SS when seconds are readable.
**8:45**
